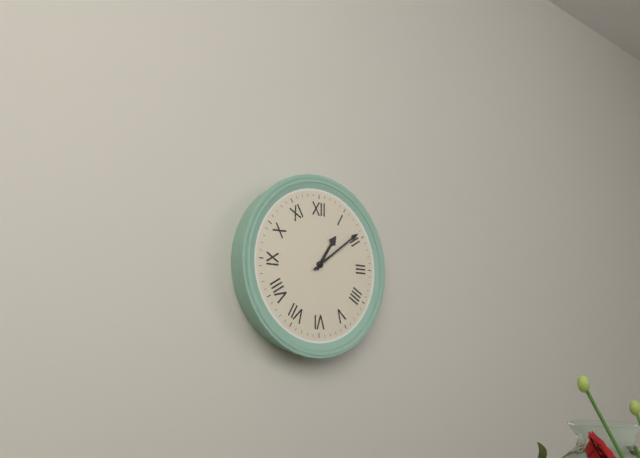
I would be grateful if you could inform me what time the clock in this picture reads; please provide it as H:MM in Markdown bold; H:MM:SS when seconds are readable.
**1:09**
